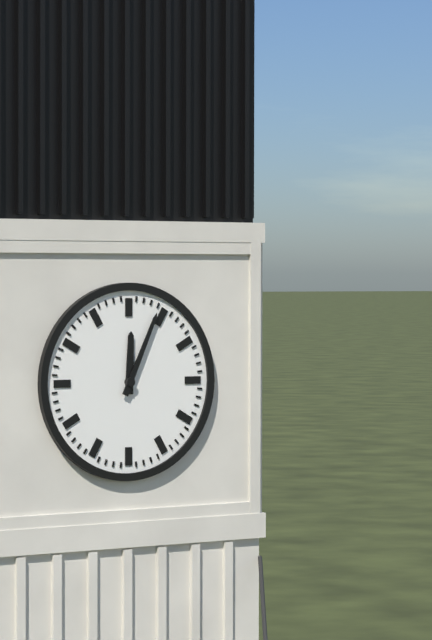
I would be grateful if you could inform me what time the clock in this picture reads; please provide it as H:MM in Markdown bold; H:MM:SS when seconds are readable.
**12:04**
